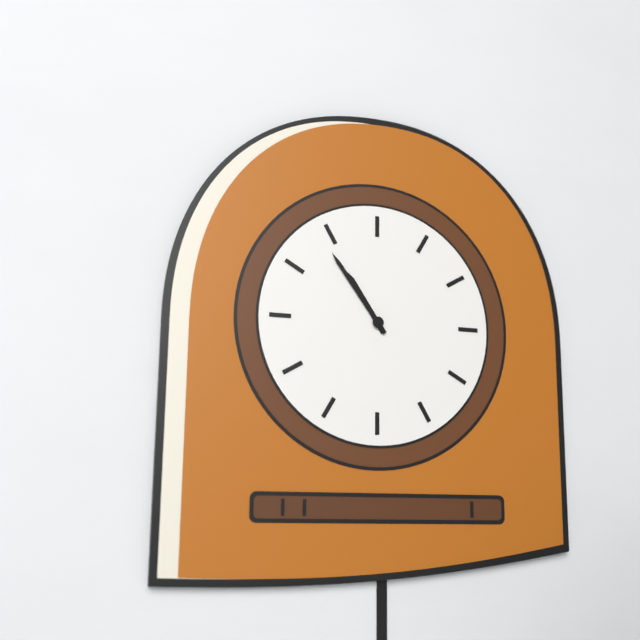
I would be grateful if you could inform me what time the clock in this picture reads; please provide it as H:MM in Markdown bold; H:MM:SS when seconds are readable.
**10:54**
